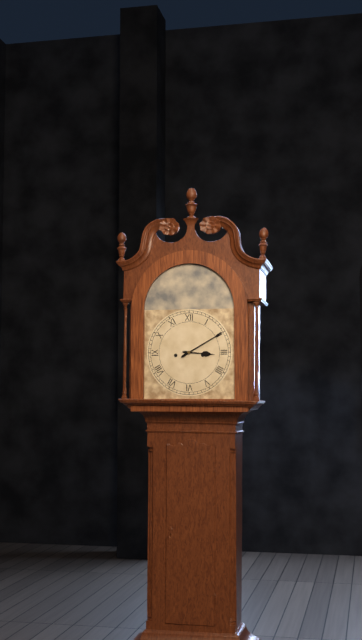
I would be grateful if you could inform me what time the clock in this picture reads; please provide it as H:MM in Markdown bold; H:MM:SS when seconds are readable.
**3:10**
